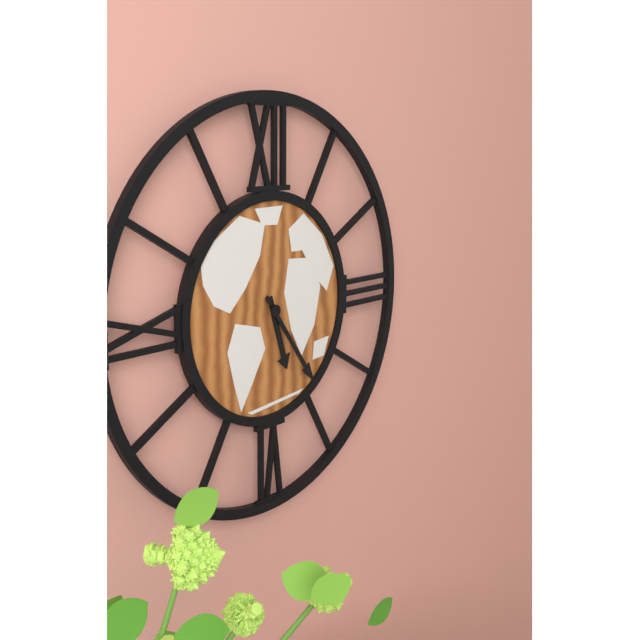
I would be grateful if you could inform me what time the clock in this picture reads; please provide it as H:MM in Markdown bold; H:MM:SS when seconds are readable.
**5:24**
